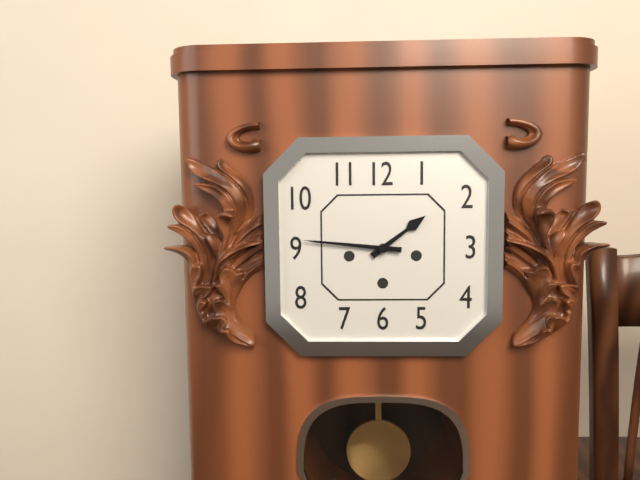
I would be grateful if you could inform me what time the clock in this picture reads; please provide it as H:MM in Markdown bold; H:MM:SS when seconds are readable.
**1:46**
